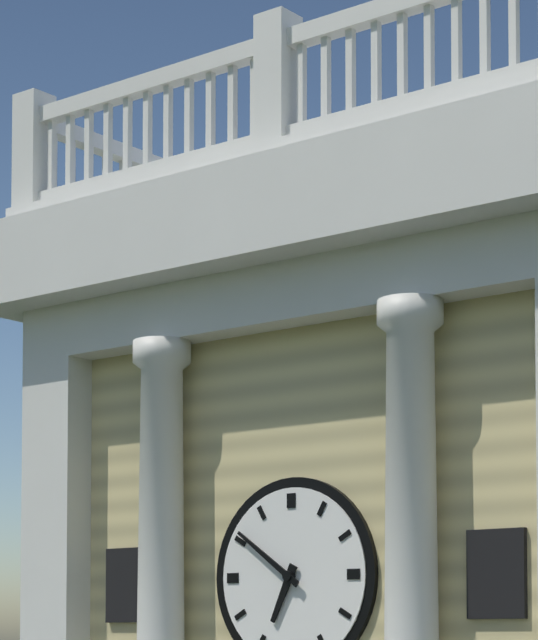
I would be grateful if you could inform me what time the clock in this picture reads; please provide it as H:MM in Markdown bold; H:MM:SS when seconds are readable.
**6:51**
